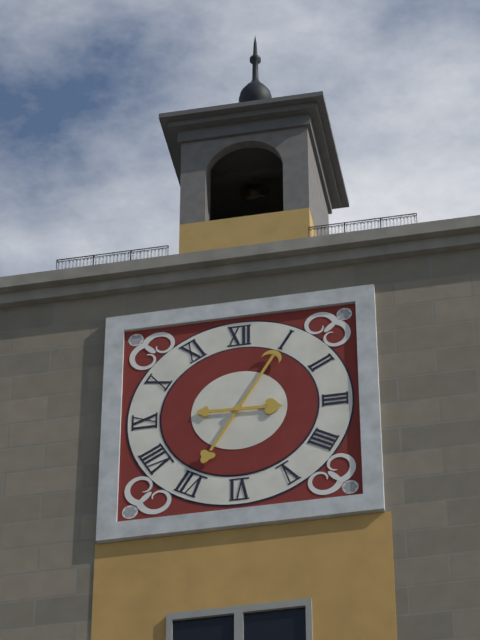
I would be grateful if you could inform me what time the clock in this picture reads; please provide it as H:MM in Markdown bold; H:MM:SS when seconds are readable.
**3:05**
